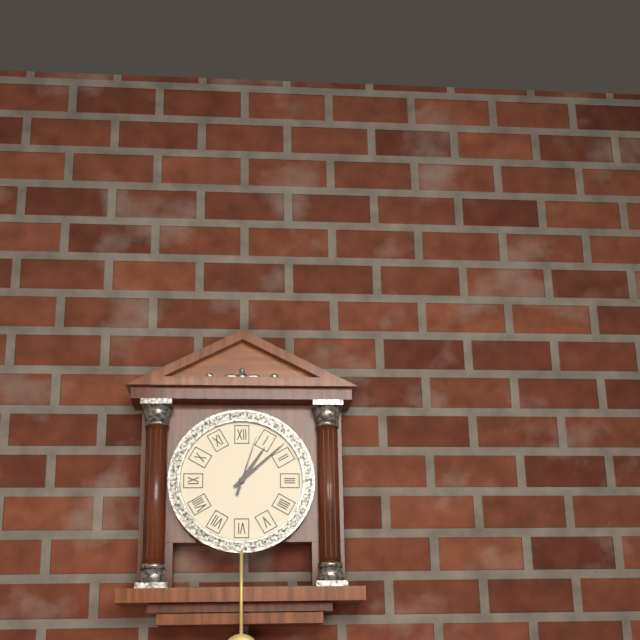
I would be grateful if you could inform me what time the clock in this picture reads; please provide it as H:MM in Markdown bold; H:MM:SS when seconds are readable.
**1:08:03**
